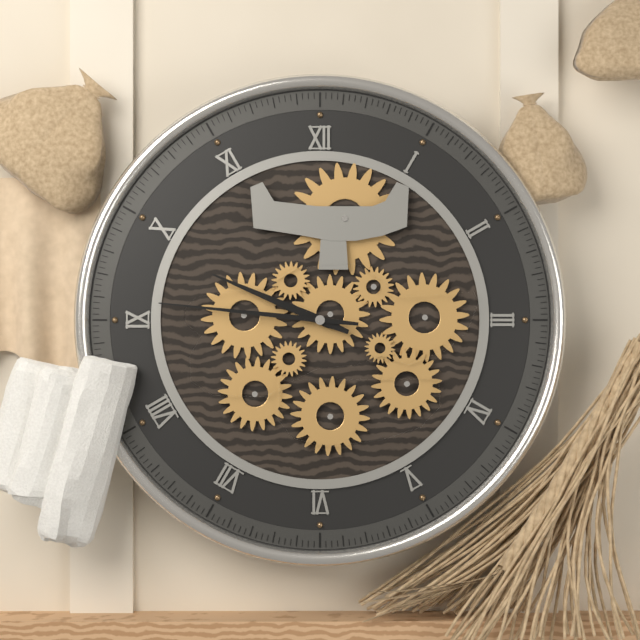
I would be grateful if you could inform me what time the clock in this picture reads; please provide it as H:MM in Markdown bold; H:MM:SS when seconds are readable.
**9:46**
